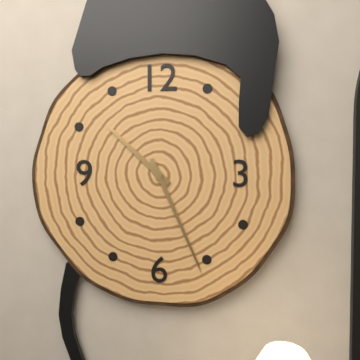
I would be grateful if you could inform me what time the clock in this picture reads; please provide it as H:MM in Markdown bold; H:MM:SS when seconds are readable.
**10:26**
